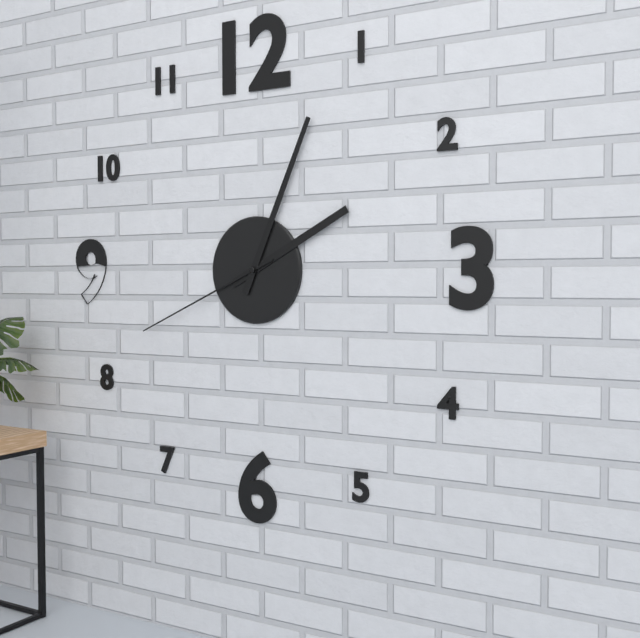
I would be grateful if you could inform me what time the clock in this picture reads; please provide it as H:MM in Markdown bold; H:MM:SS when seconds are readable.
**2:04:41**
